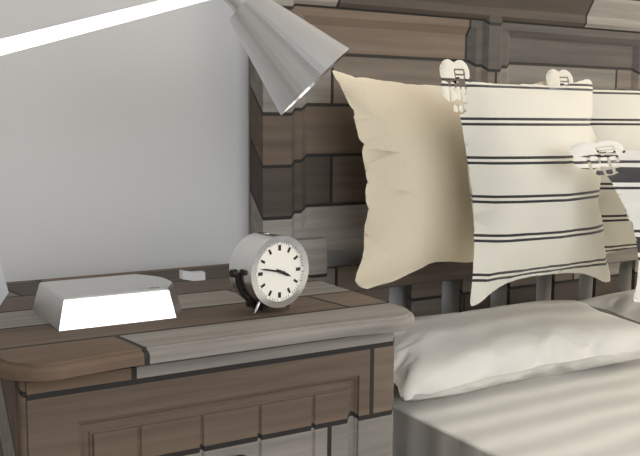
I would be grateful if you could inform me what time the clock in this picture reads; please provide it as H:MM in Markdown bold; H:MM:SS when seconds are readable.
**3:47**
